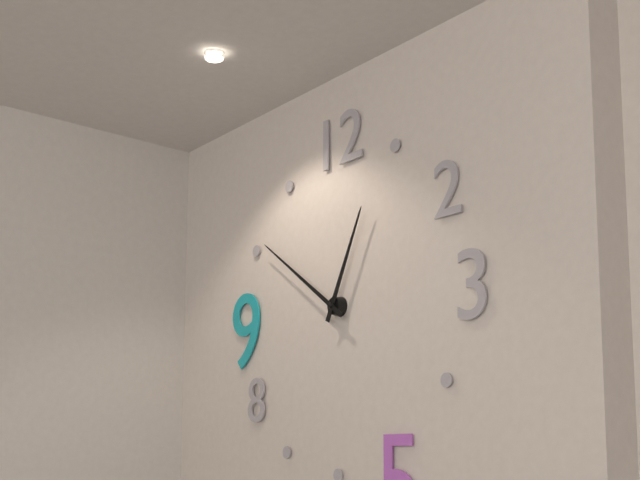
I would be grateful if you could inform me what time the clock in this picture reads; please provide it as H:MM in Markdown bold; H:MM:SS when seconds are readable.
**12:51**
